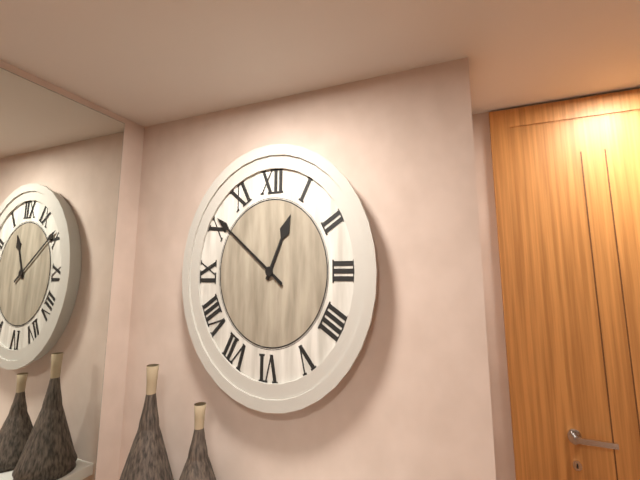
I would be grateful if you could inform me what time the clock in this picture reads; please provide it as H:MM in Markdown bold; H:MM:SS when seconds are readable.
**12:51**
